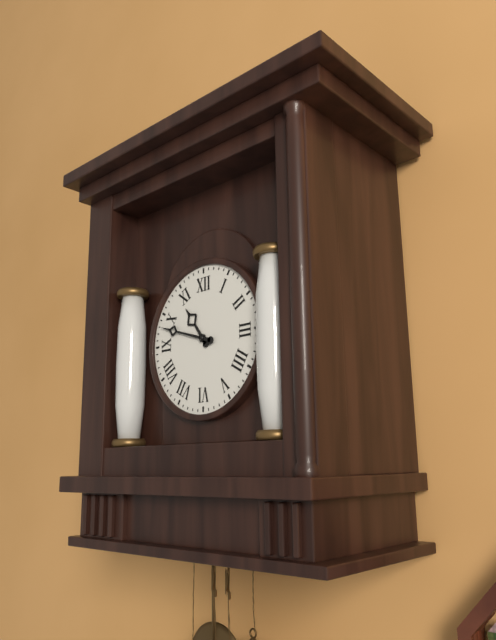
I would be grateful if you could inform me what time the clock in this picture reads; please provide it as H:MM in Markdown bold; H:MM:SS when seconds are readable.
**10:48**
